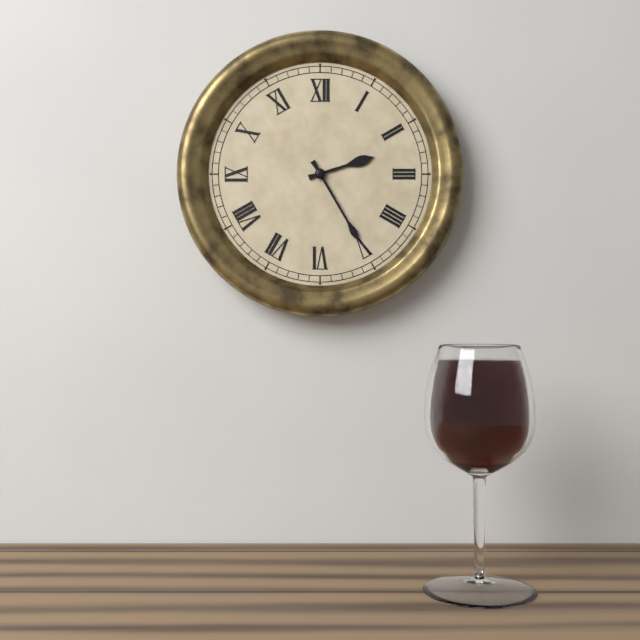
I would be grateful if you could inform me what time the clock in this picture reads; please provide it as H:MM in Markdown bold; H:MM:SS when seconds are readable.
**2:25**
